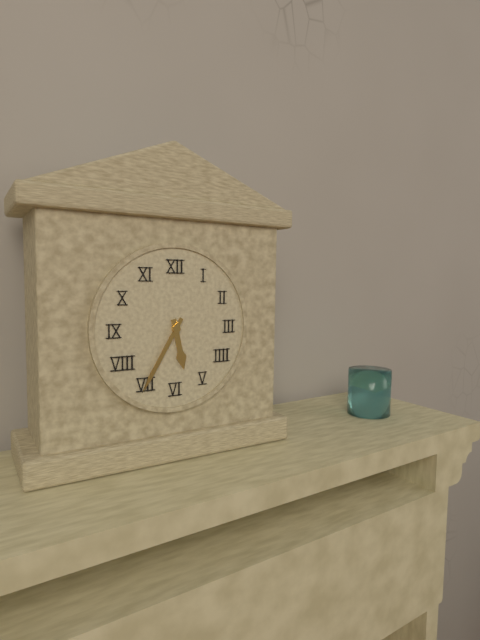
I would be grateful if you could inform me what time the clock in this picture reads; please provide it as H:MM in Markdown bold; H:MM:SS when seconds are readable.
**5:35**
